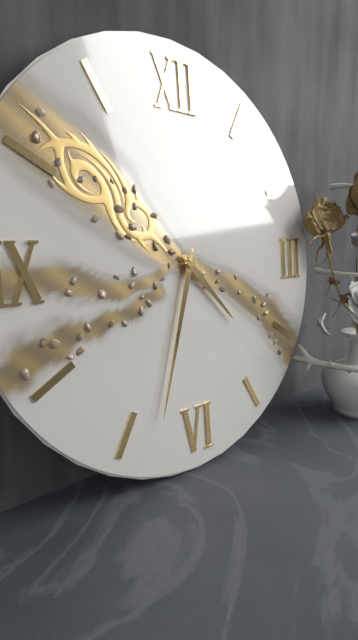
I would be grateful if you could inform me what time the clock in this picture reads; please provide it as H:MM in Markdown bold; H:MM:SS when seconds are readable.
**4:33**
